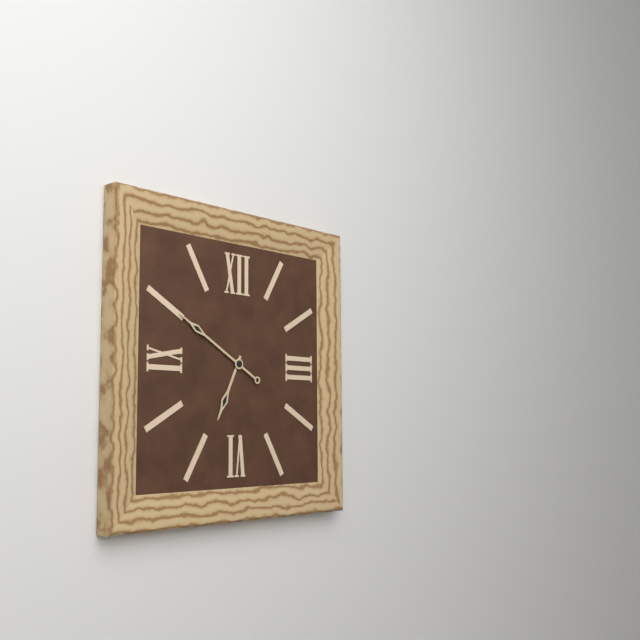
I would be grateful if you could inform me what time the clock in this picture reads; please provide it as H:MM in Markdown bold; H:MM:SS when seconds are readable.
**6:50**
